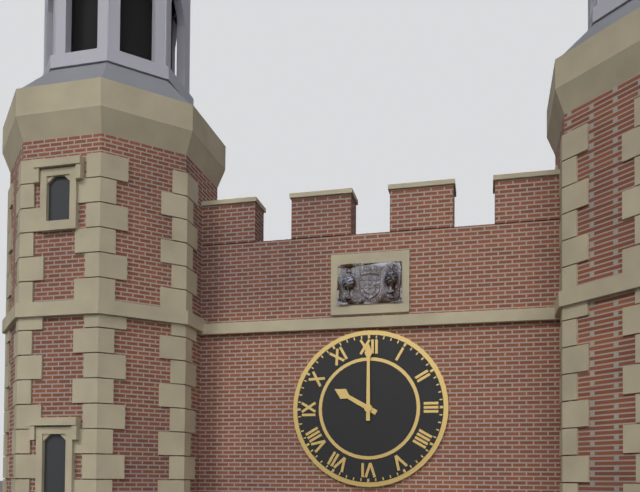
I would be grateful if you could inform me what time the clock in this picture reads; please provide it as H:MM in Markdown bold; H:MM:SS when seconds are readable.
**10:00**
